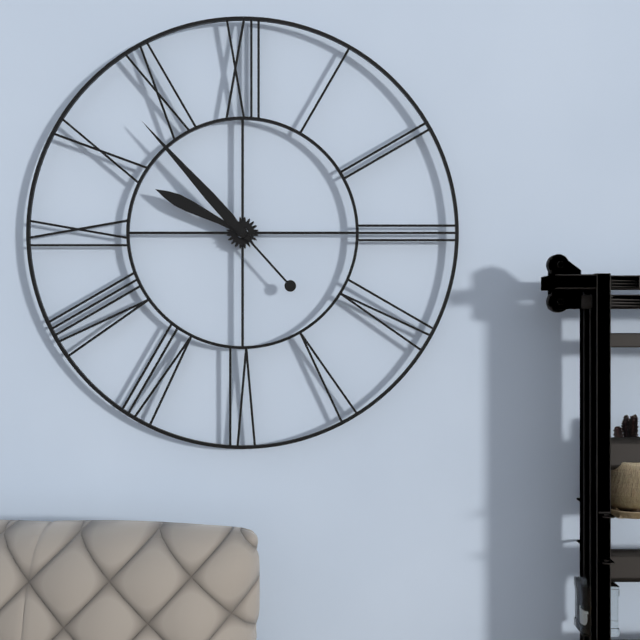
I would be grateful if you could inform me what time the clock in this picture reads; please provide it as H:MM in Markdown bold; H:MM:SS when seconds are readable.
**9:53**
